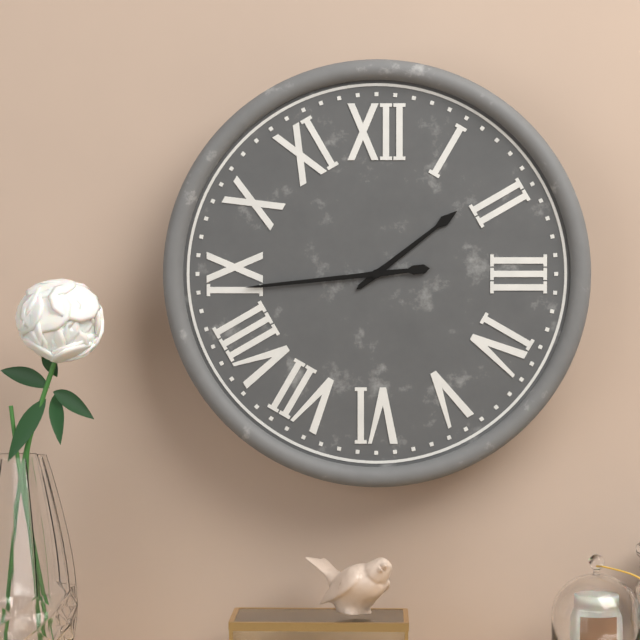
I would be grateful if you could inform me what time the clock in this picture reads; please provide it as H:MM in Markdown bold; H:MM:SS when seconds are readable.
**1:44**
